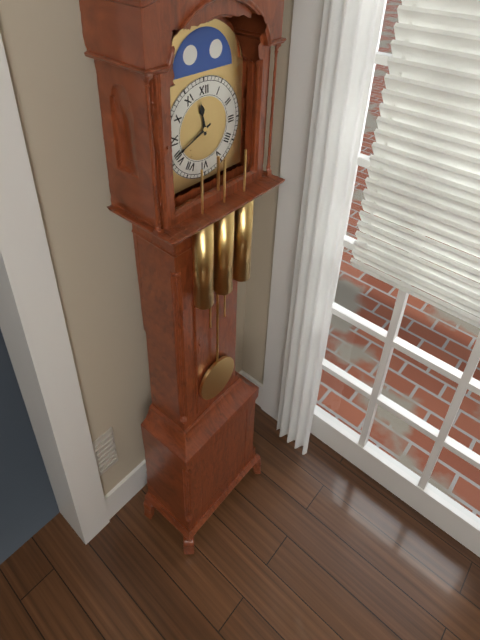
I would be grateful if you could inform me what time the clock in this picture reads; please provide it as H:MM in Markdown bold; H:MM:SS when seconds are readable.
**11:41**
